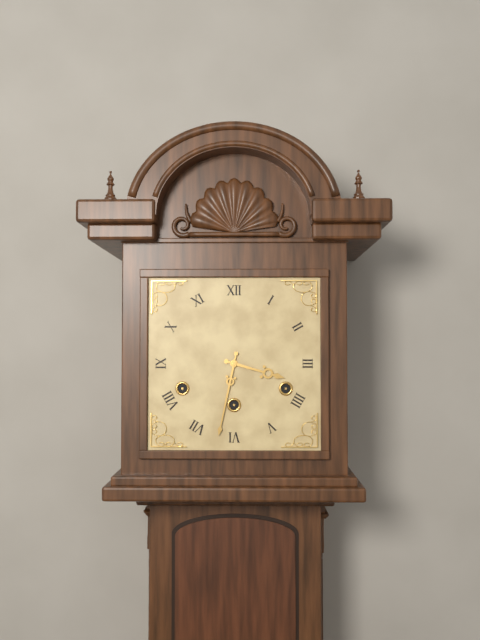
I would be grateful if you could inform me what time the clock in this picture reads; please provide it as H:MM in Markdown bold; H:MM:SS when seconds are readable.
**3:32**
